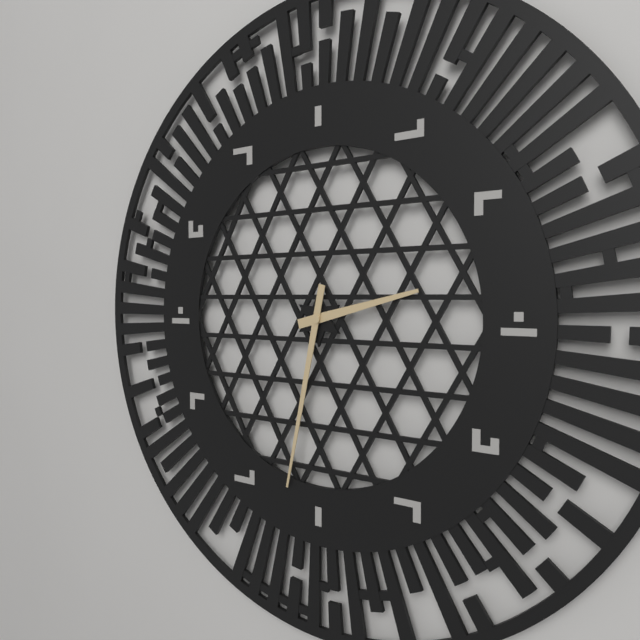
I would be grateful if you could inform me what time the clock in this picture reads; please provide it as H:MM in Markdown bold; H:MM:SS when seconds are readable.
**2:32**
